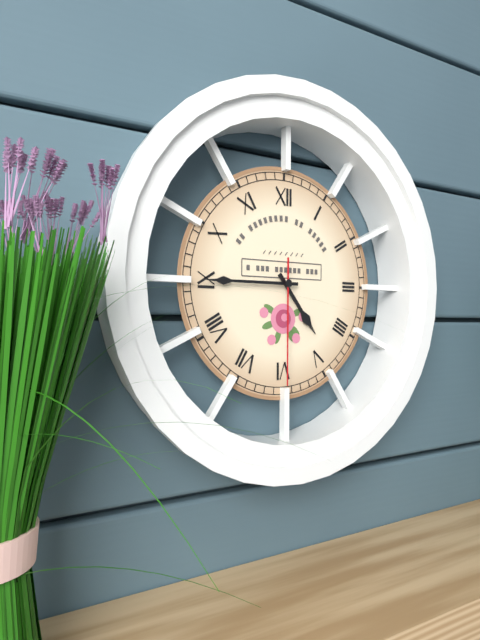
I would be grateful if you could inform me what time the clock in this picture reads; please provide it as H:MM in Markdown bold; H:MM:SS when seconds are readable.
**4:45:30**
